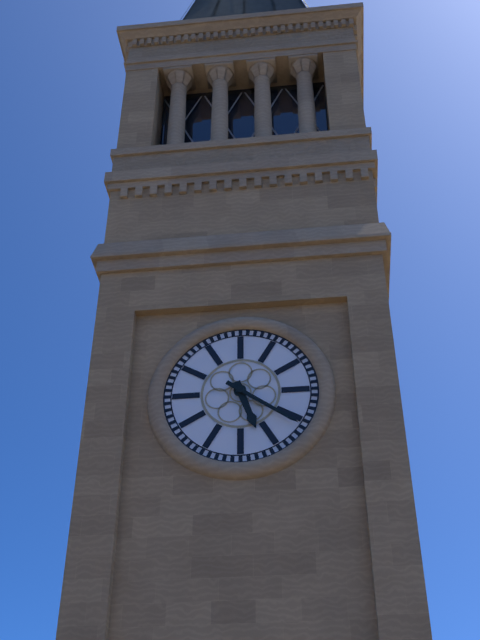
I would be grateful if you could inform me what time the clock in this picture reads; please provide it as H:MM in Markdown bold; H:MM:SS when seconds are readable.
**5:21**
